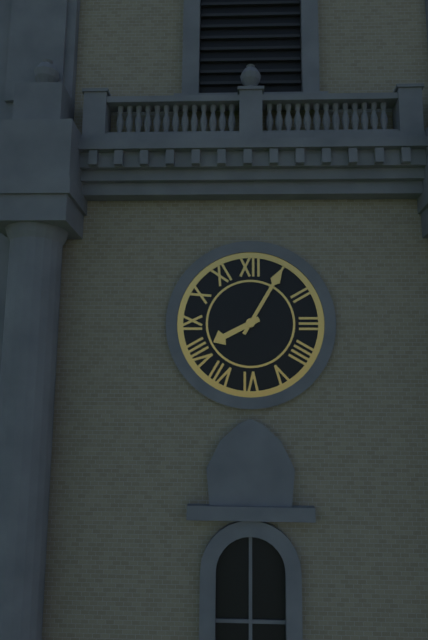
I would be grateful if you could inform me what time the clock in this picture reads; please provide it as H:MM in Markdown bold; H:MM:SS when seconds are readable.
**8:05**
